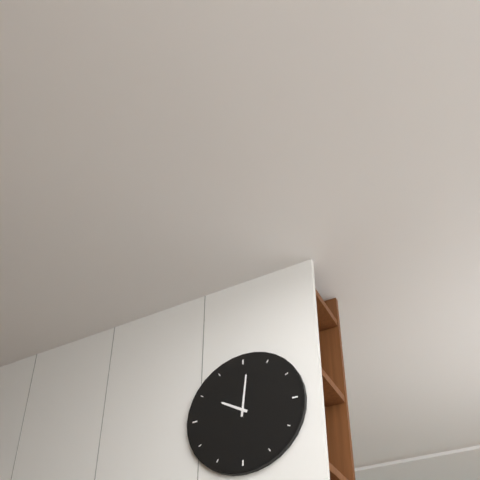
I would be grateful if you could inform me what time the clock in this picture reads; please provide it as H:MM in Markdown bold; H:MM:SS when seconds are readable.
**10:01**
